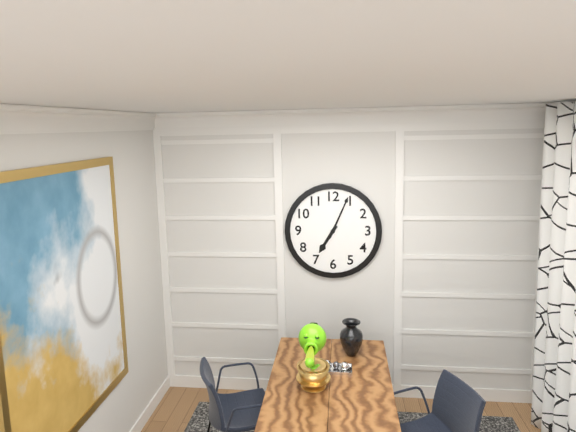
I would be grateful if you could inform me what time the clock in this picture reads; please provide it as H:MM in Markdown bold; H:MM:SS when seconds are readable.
**7:04**
